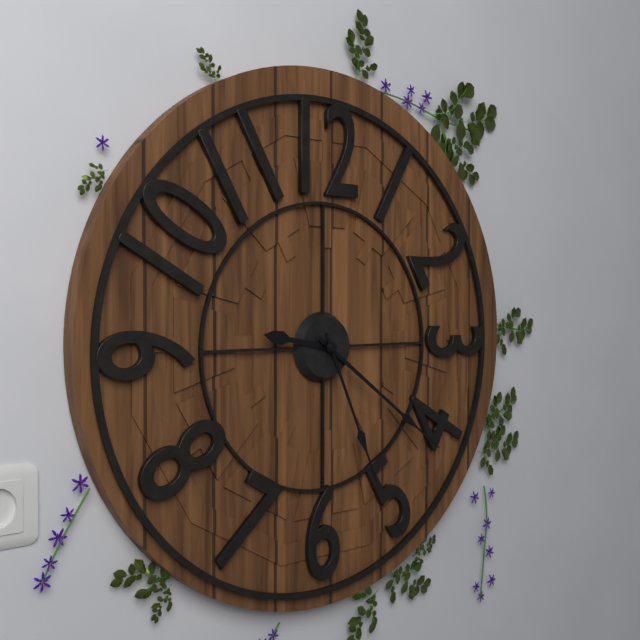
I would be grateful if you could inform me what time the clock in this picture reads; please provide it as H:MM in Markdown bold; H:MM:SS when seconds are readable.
**9:21:26**
